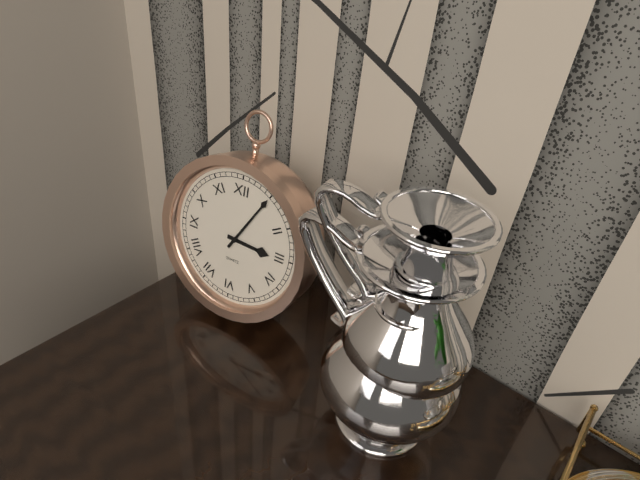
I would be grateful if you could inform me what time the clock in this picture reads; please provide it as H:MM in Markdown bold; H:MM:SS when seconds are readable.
**3:05**
